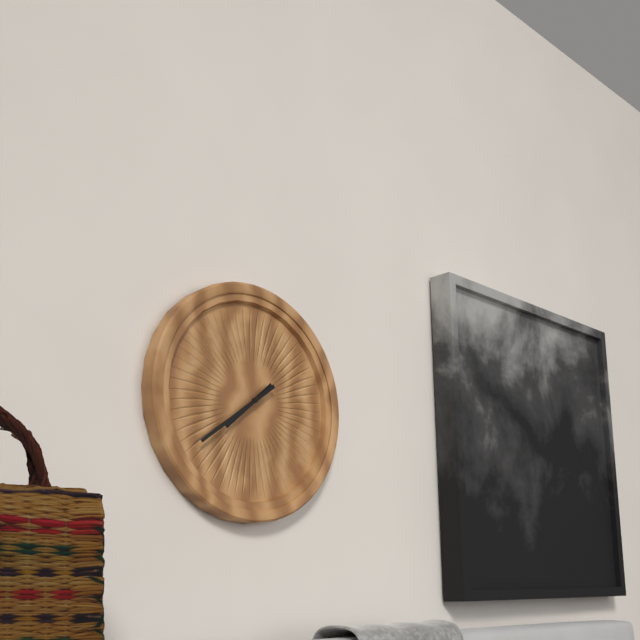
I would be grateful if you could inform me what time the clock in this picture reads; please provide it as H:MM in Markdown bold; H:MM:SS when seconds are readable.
**7:39**
